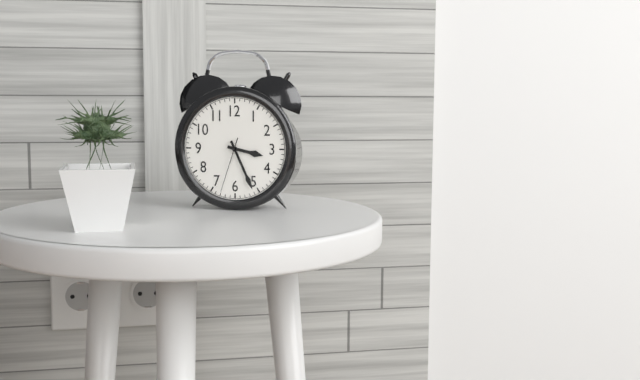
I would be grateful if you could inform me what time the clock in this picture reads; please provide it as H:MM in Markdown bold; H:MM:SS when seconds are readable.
**3:26:33**
